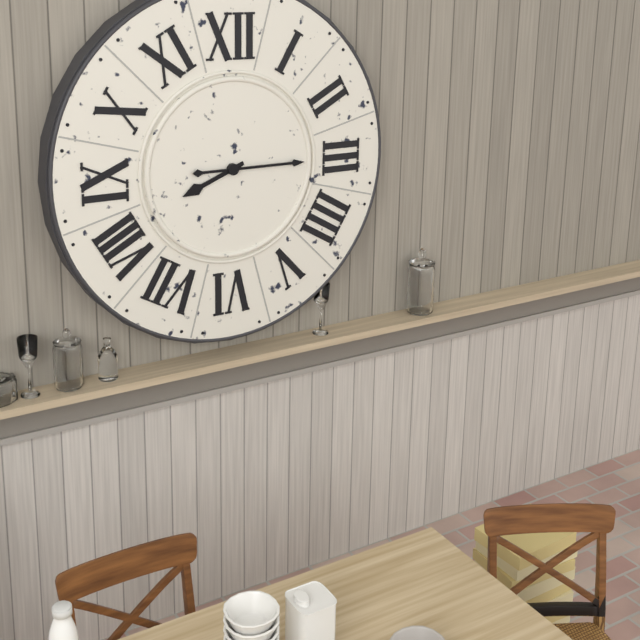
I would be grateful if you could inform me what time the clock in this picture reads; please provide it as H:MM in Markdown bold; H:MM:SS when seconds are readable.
**8:15**
